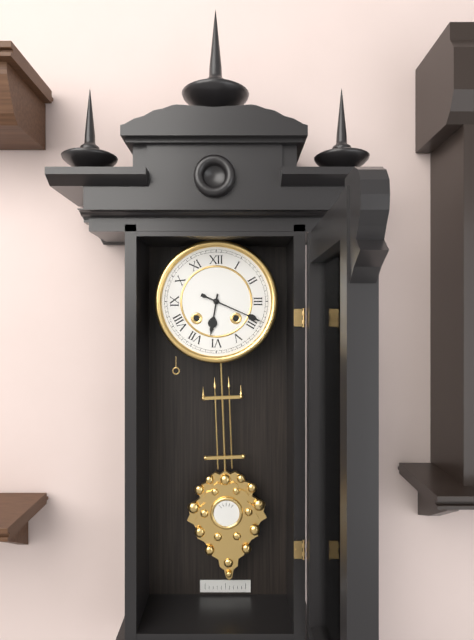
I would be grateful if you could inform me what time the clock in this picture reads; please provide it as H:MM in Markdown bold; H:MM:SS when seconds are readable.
**6:19**
